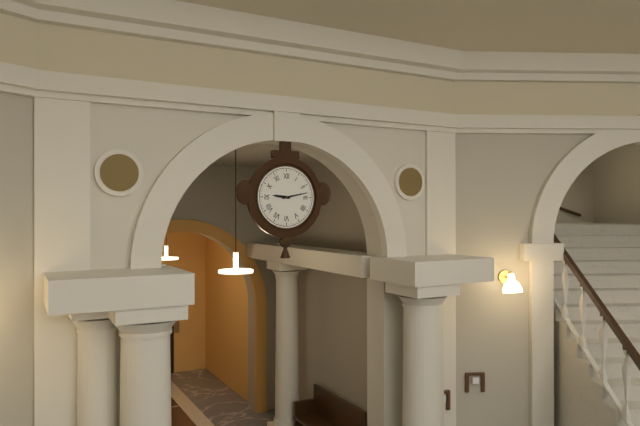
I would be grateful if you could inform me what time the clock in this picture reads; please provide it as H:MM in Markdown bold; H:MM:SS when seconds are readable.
**9:13**
